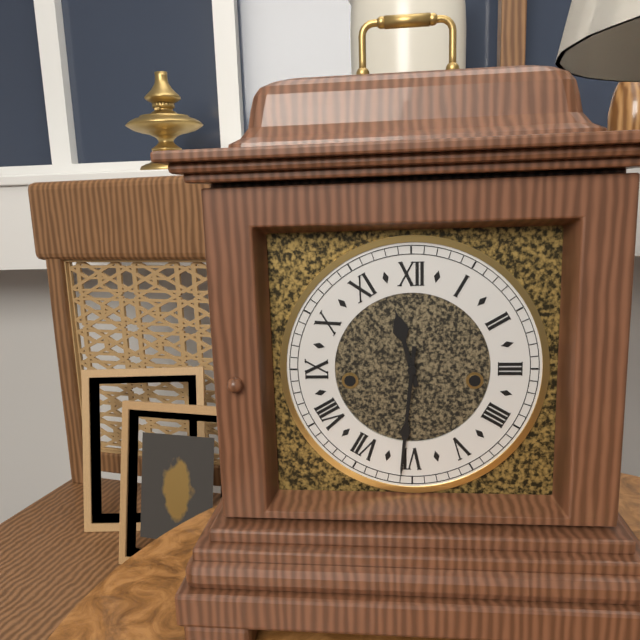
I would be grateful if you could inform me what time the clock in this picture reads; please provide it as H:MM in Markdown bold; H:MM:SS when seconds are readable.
**11:31**
